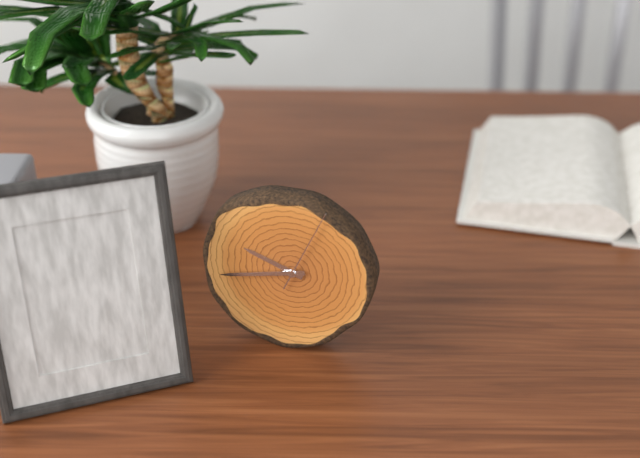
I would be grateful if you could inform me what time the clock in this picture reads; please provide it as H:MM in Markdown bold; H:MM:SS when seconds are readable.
**9:43:04**
